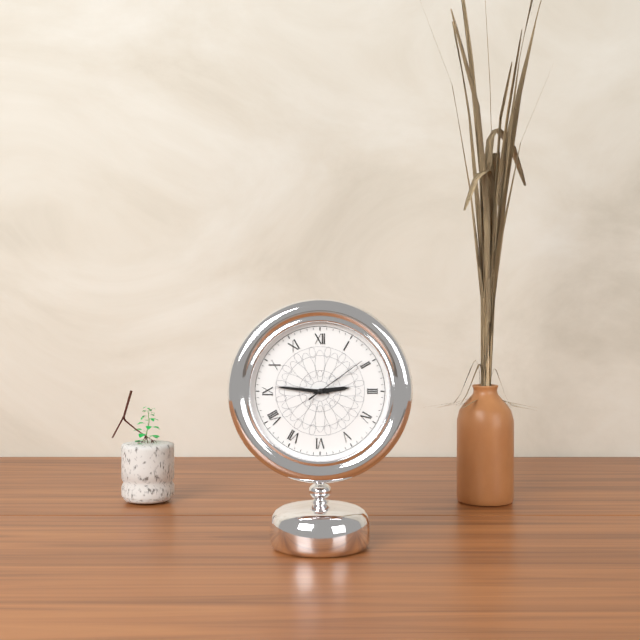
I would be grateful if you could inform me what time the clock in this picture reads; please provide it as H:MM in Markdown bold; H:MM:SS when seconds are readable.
**2:46:09**
